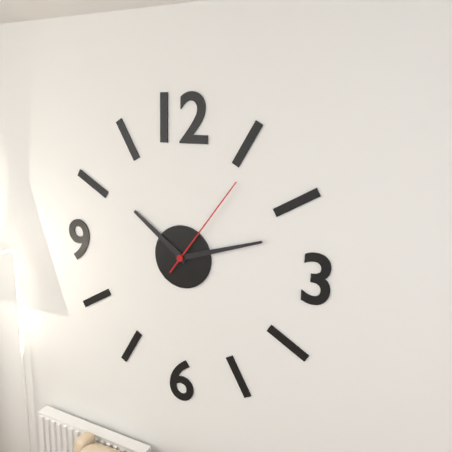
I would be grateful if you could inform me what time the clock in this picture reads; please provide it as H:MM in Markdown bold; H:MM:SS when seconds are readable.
**10:12:06**
